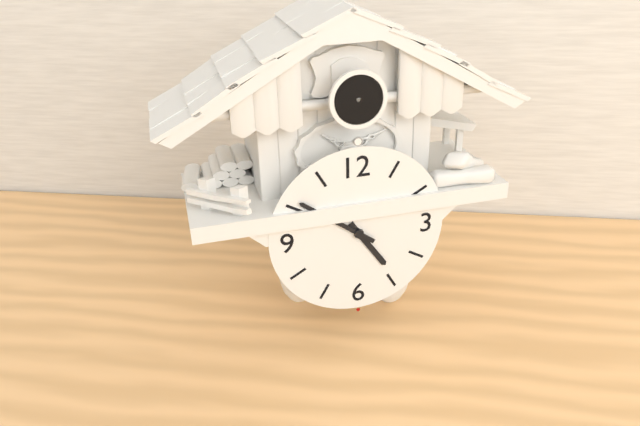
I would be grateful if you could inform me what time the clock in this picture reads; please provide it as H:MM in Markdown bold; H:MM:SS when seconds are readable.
**4:51**
